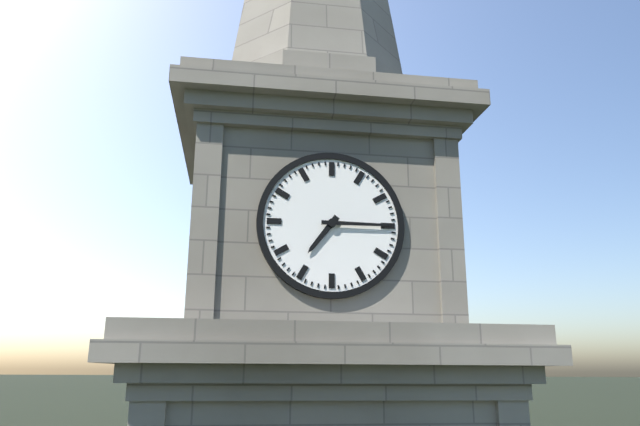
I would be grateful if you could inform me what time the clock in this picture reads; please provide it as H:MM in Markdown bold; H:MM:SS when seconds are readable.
**7:15**
